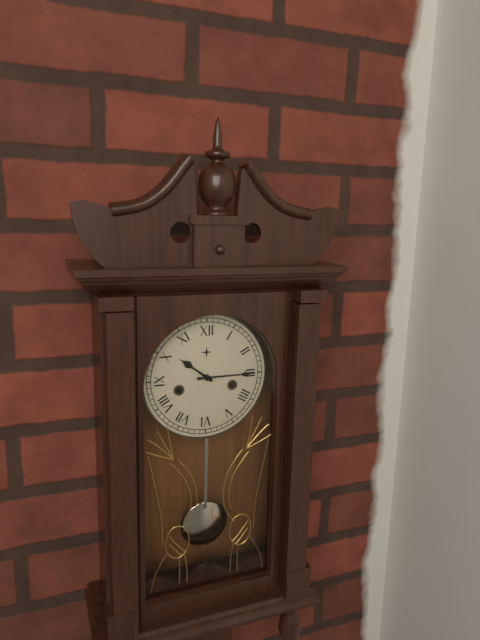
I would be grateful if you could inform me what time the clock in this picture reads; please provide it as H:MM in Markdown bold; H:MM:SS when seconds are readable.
**10:15**
